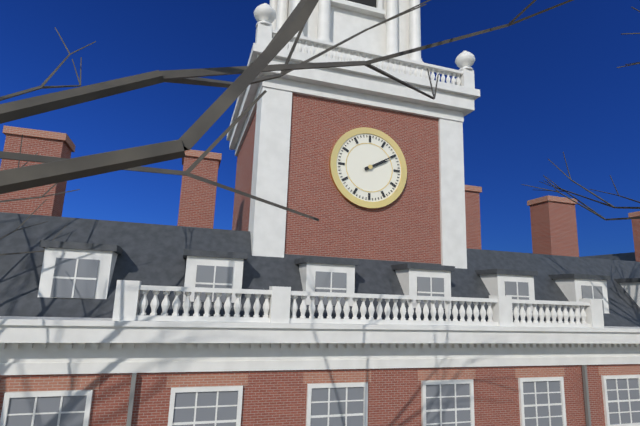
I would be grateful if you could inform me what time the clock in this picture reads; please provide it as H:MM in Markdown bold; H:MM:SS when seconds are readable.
**2:10**
